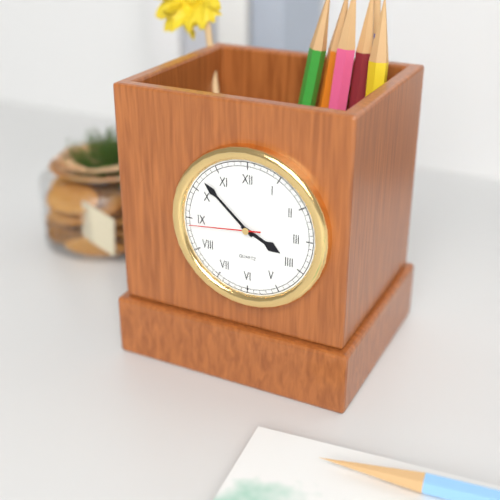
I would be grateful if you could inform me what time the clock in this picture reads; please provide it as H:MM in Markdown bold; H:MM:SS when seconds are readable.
**3:52:44**
